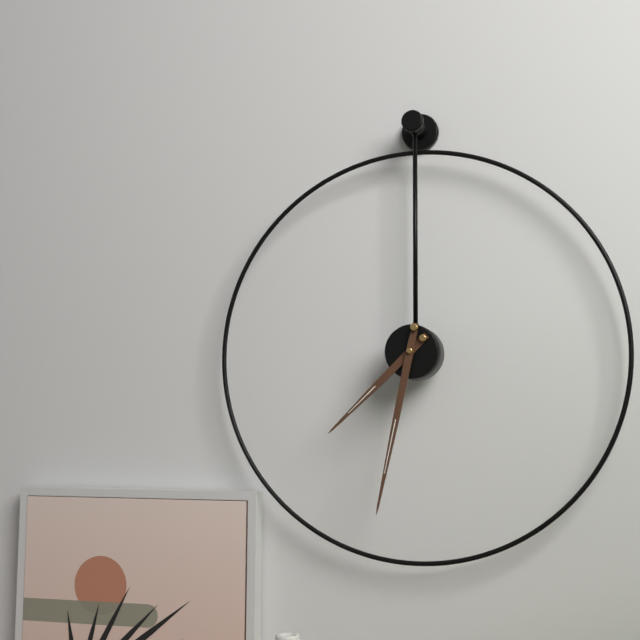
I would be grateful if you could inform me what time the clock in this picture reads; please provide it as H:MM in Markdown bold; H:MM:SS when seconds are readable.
**7:32**
